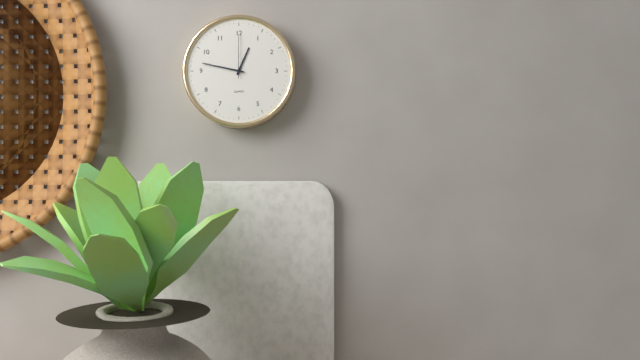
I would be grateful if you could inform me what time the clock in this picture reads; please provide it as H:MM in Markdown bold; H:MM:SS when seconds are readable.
**12:47**
